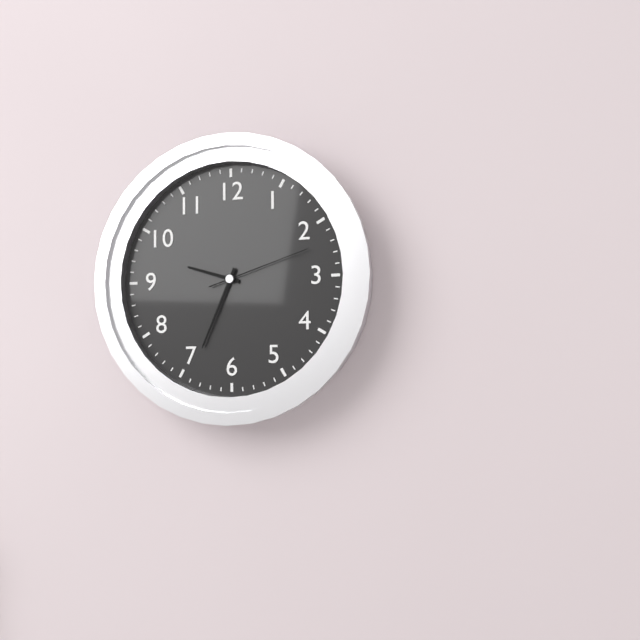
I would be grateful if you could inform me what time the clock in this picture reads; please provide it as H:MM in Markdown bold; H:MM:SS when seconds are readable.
**9:34:12**
